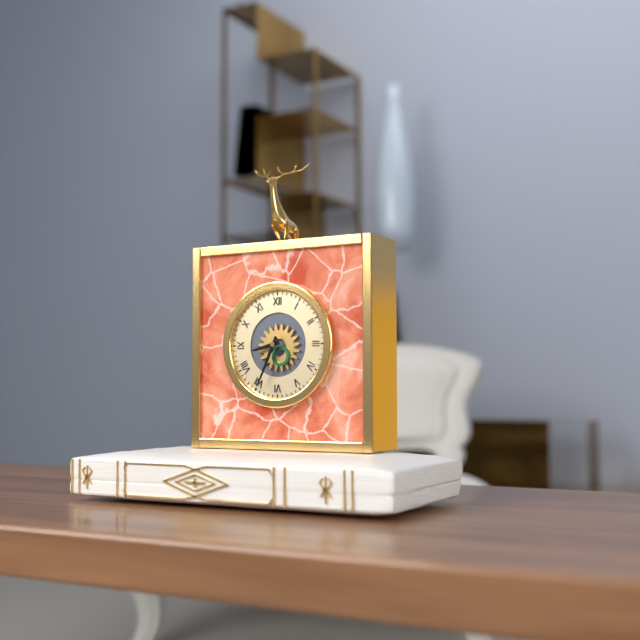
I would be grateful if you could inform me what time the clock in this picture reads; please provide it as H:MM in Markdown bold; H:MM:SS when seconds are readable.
**8:34**
